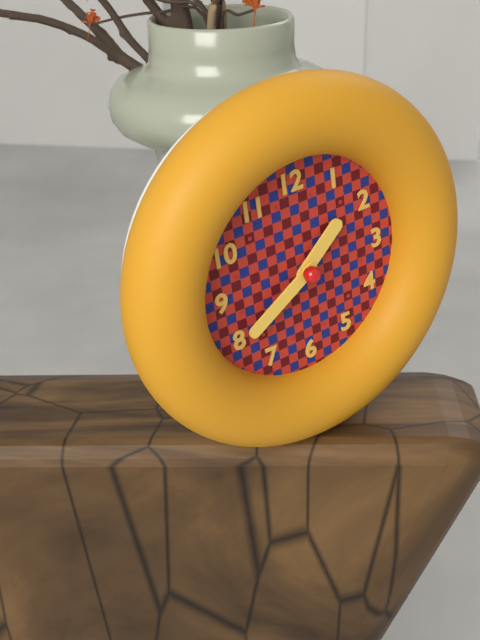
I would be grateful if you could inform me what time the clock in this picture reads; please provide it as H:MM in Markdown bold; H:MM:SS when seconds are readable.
**1:40**
